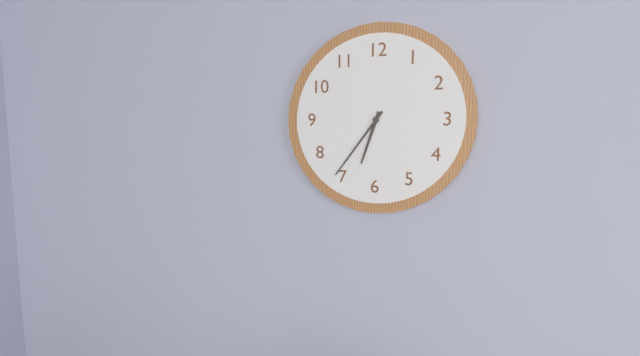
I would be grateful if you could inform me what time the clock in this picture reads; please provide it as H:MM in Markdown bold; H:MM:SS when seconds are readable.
**6:36**
